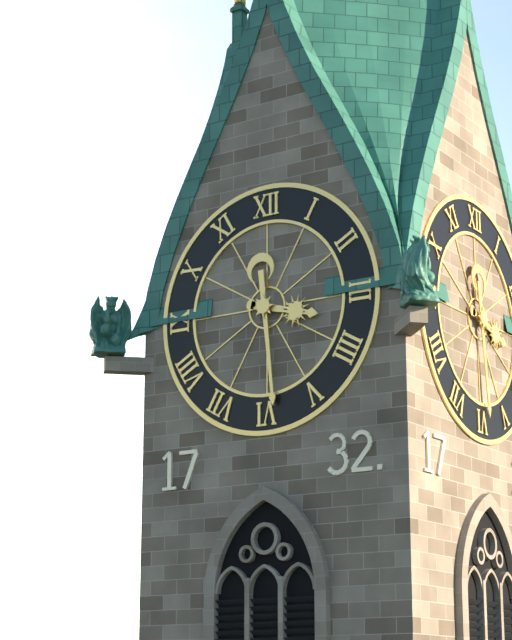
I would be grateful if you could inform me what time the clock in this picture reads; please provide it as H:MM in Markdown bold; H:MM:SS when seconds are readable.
**3:29**
